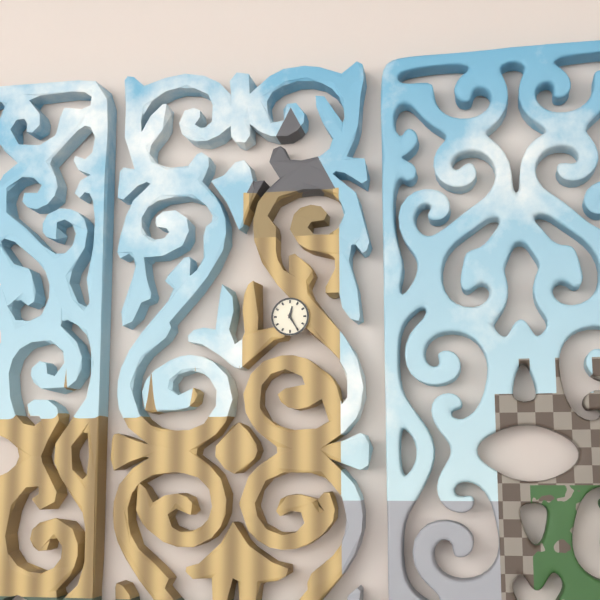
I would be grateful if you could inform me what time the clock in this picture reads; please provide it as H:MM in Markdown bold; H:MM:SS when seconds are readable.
**12:25**
